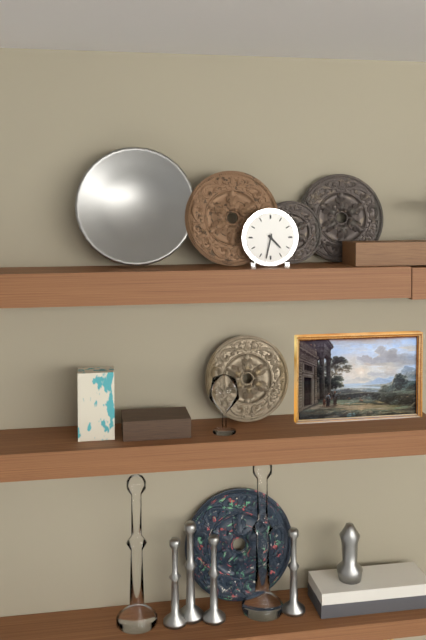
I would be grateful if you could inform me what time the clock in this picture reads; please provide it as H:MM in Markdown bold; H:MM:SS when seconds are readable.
**4:32**
